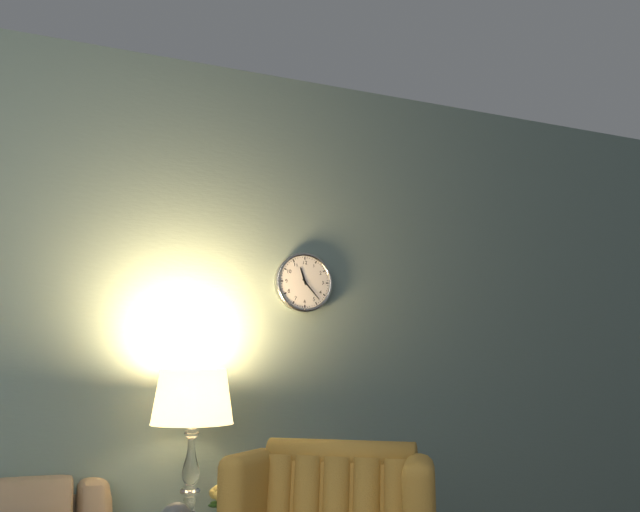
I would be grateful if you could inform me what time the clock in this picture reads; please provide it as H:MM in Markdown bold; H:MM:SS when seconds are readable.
**11:23**
